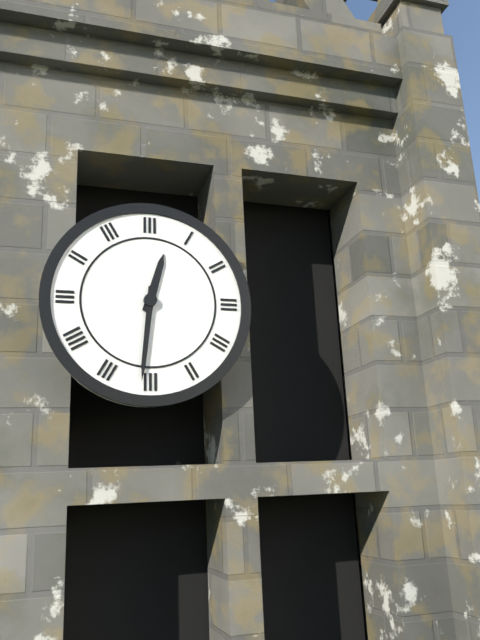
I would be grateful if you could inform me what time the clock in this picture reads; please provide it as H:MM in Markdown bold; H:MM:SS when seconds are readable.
**12:31**
